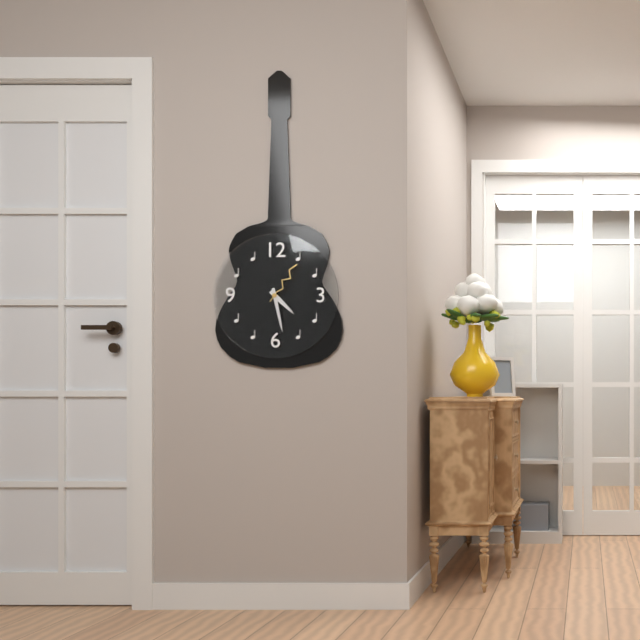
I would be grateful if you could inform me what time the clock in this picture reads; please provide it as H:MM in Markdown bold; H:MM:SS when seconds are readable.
**4:28**
